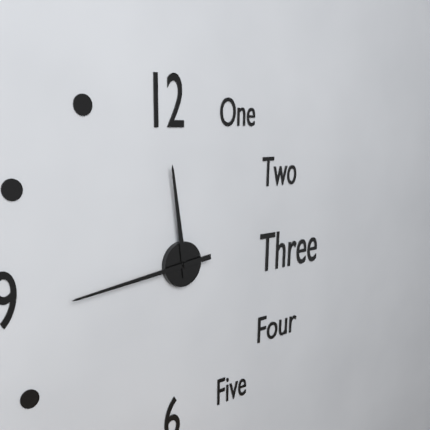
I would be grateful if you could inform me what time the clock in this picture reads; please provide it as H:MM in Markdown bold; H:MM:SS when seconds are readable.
**11:44**
